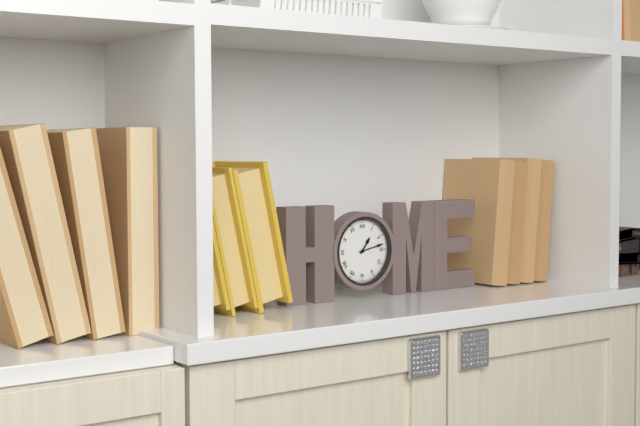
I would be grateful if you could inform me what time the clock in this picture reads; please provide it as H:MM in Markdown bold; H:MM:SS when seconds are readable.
**1:13**
